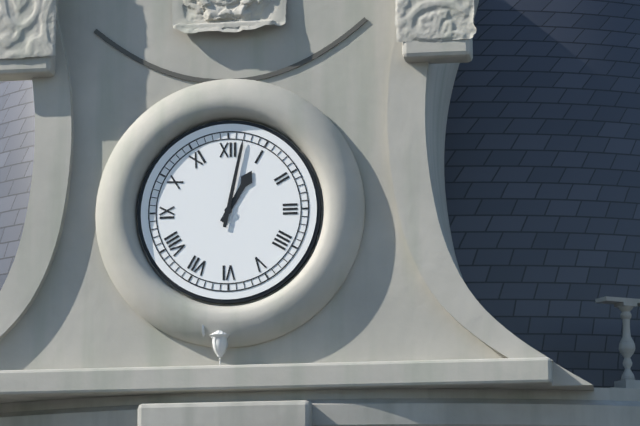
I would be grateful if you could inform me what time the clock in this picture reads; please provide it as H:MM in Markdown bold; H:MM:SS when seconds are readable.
**1:02**
